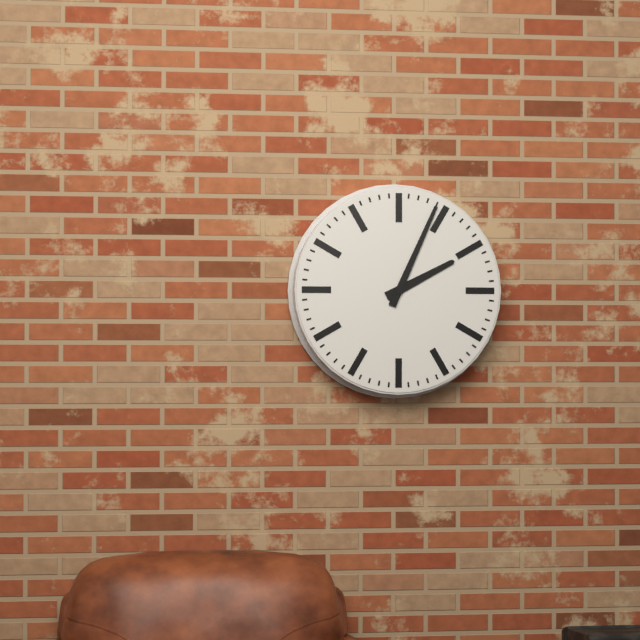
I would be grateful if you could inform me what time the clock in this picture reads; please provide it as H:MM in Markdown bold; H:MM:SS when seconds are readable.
**2:04**
